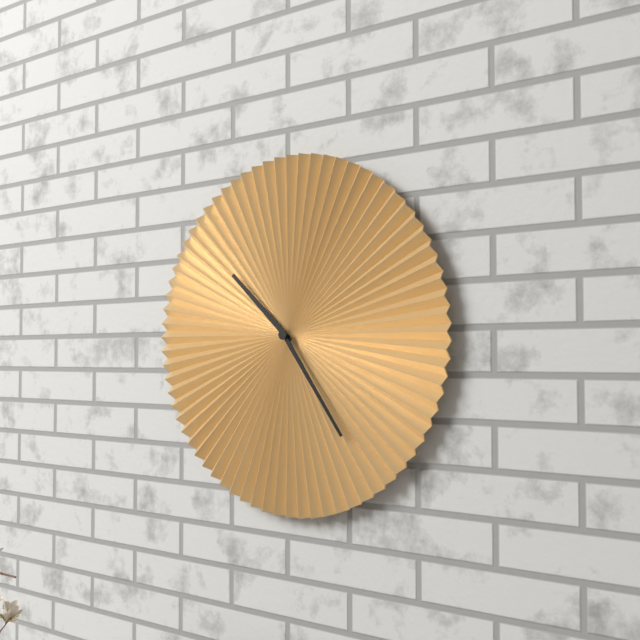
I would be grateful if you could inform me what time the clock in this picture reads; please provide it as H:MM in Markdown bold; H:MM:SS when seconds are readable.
**10:24**
